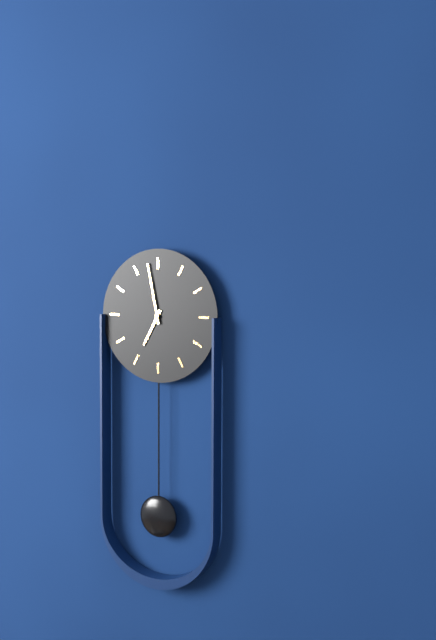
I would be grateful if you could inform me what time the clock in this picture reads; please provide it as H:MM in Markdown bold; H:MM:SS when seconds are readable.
**6:58**
